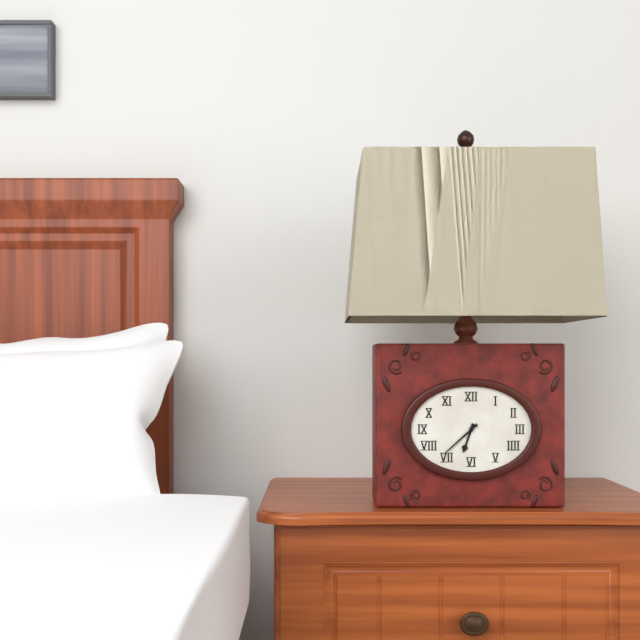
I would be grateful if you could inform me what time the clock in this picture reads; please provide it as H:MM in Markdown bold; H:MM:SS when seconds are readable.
**6:38**
